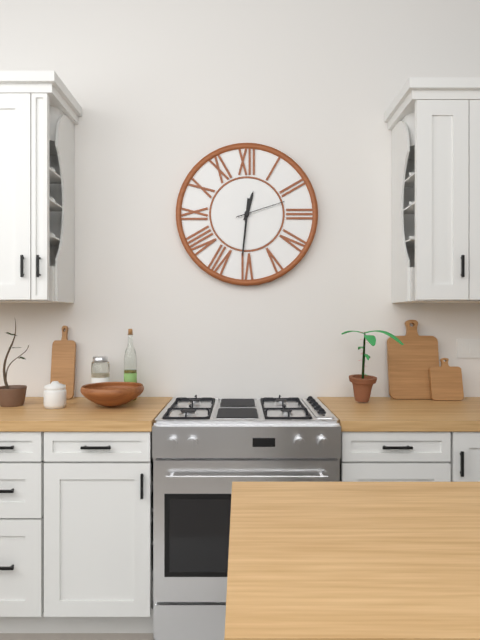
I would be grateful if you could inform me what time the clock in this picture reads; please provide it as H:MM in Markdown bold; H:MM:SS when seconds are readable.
**12:31:12**
